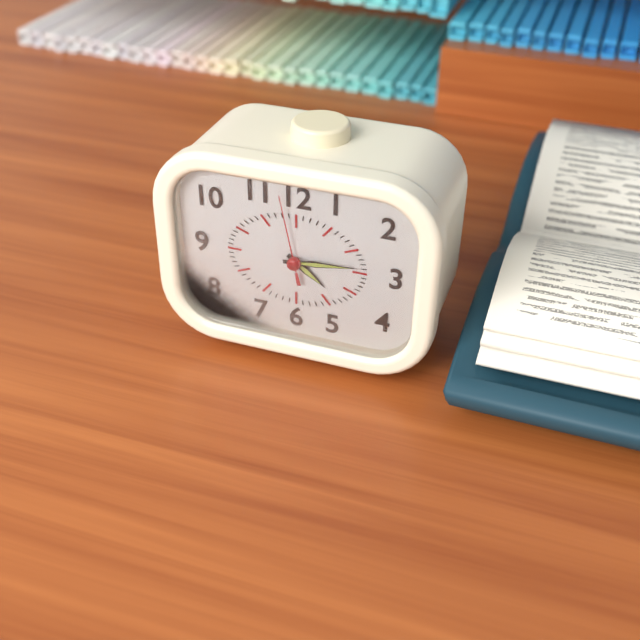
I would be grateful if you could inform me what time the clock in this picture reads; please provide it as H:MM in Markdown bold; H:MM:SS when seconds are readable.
**4:14:58**
